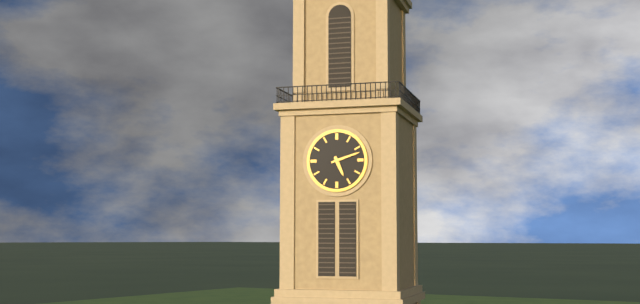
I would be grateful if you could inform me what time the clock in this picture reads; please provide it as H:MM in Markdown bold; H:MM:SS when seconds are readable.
**5:12**
